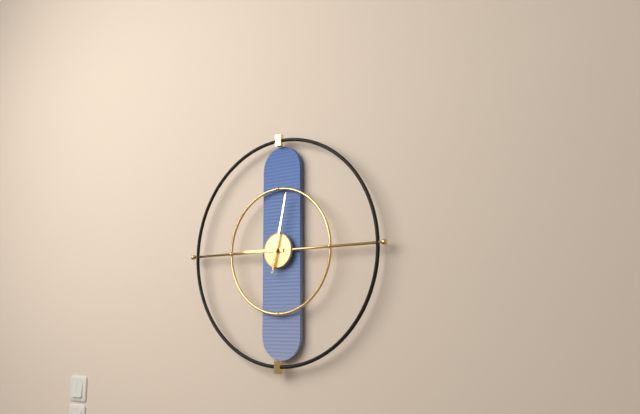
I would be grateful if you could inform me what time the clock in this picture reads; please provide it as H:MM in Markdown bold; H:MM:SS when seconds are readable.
**9:02**
